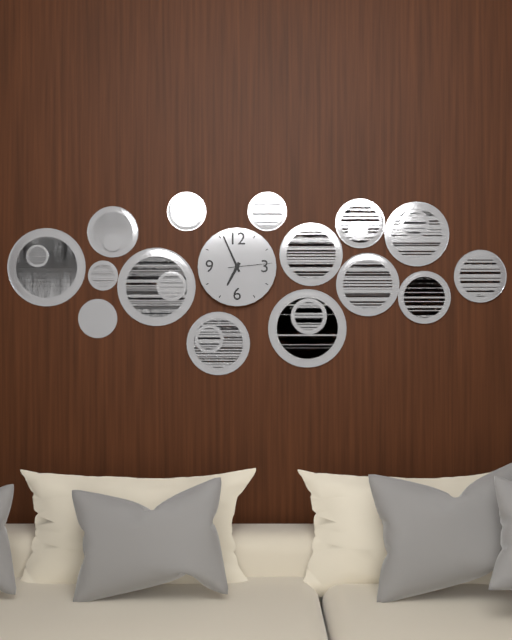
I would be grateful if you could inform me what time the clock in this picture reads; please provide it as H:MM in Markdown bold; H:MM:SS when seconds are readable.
**6:56**
